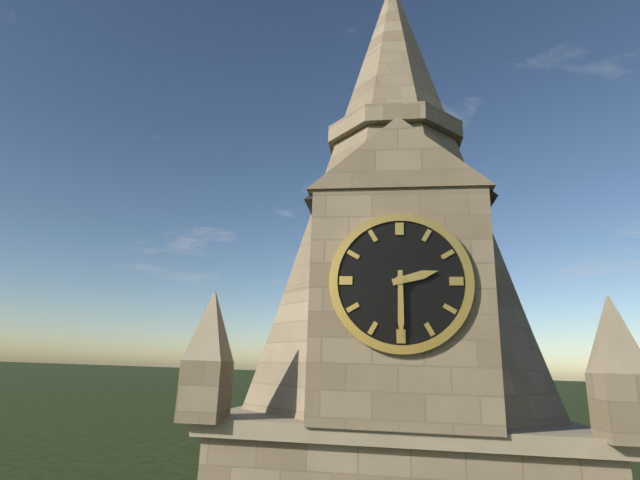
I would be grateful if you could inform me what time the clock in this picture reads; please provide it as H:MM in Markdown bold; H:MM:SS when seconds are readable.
**2:30**
